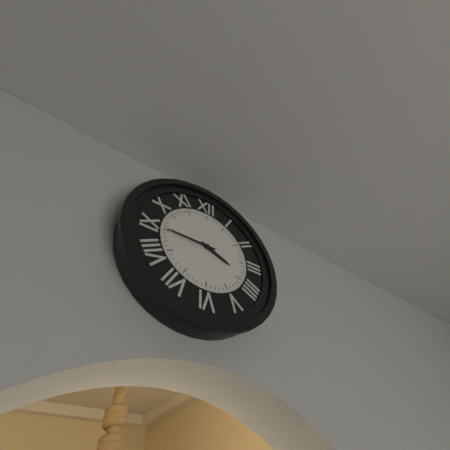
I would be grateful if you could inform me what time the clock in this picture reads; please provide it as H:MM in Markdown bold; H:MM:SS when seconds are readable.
**3:45**
